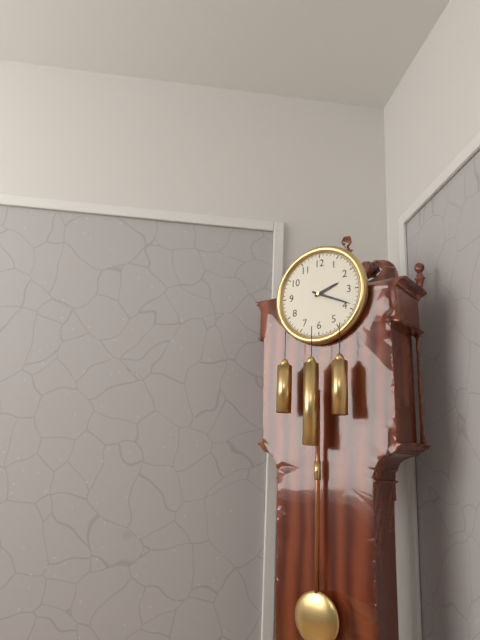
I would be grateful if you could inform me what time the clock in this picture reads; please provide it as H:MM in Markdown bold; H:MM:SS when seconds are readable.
**2:19**
